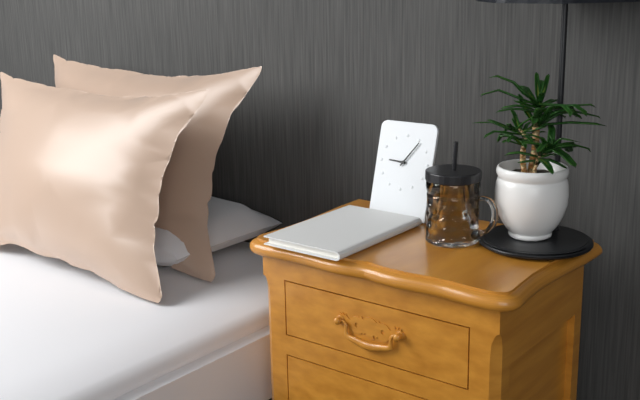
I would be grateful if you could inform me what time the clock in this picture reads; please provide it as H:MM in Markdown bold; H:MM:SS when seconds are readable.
**9:06**
